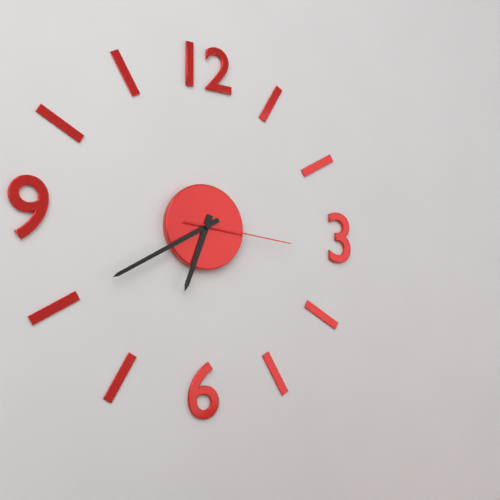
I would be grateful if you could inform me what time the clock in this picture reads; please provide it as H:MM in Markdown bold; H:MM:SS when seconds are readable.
**6:40:16**
